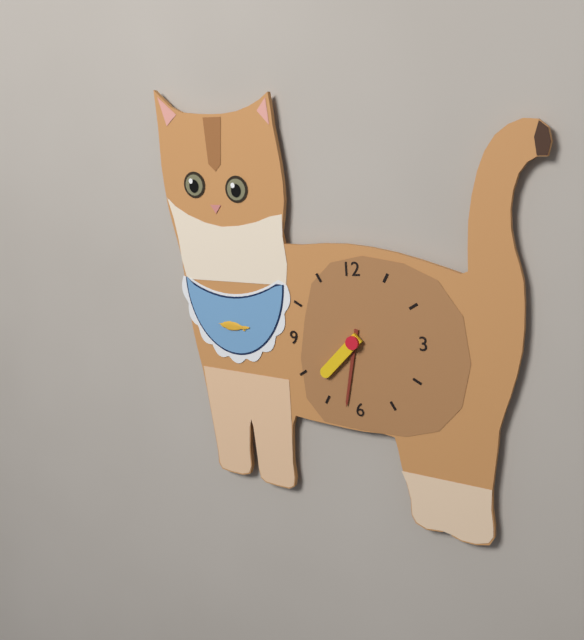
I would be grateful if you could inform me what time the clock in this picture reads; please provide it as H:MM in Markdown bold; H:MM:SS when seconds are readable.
**7:32**
